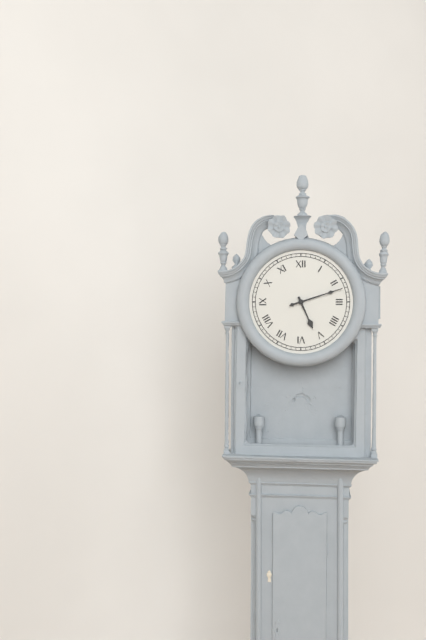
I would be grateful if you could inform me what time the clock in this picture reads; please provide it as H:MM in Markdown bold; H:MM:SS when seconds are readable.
**5:12**
